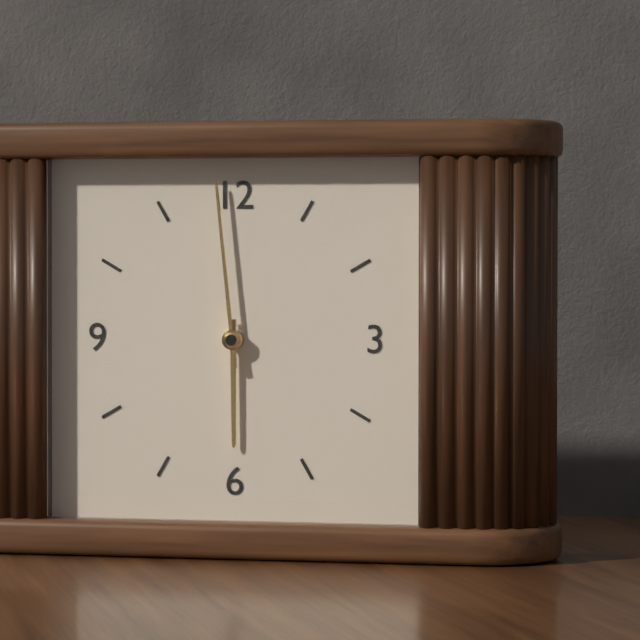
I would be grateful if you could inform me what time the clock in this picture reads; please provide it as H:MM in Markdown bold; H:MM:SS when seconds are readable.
**5:59**
